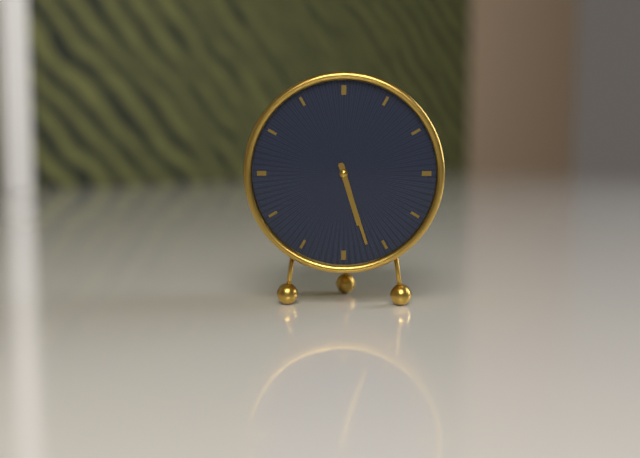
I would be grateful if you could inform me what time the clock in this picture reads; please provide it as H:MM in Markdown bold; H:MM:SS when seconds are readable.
**5:27**
